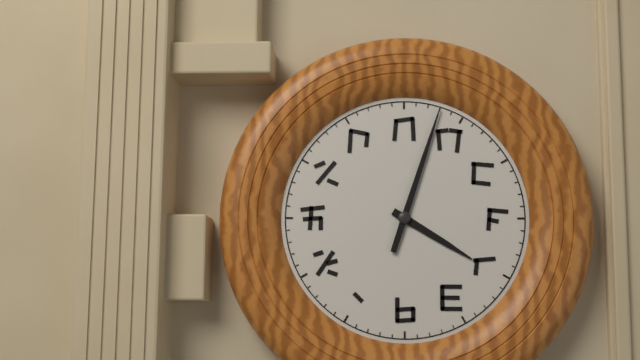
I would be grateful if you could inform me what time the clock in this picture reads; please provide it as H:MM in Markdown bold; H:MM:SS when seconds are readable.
**4:03**
